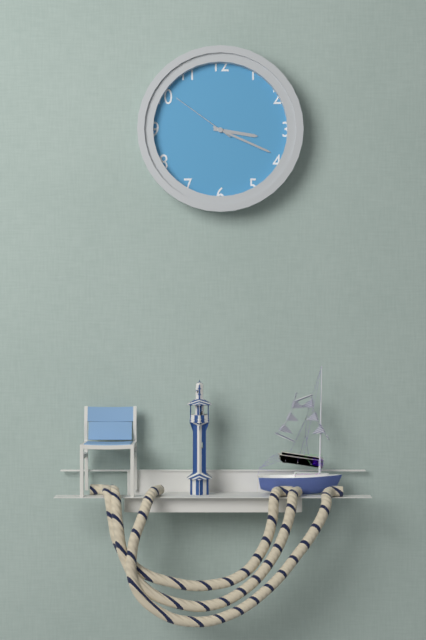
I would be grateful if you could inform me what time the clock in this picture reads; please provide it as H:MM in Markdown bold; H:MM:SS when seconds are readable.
**3:19:51**
